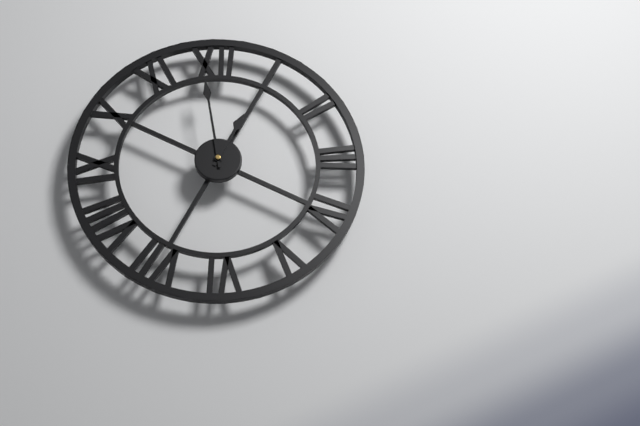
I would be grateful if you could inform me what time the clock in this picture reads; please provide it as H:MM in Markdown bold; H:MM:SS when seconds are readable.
**12:59**
